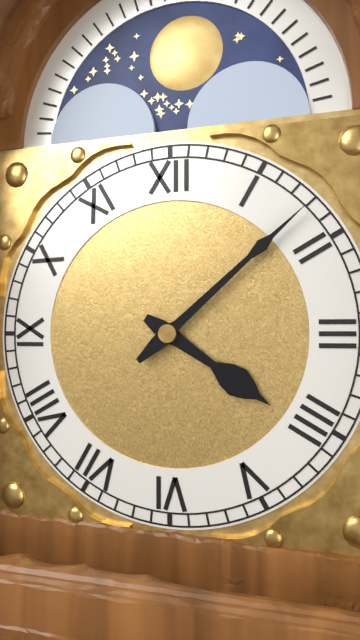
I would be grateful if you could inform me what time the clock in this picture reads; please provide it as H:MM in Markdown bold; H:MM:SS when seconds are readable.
**4:08**
